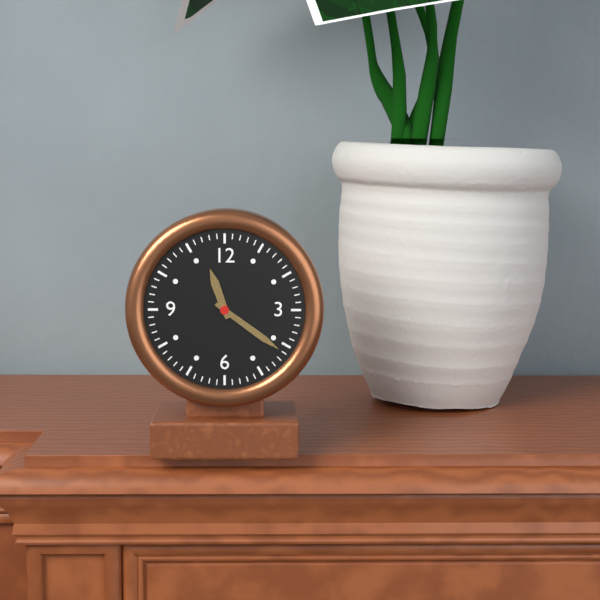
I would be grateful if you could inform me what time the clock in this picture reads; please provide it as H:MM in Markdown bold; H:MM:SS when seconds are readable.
**11:21**
